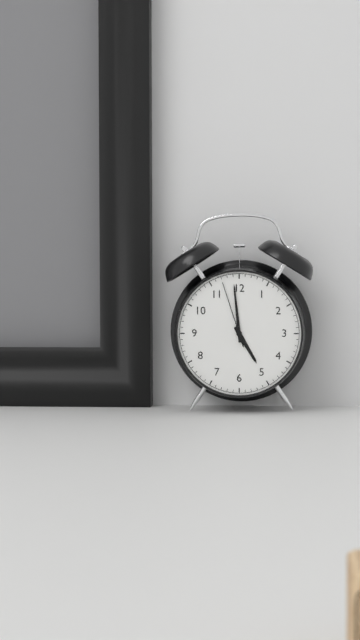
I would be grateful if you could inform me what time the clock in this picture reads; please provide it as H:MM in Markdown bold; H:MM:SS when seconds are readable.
**4:59:57**
